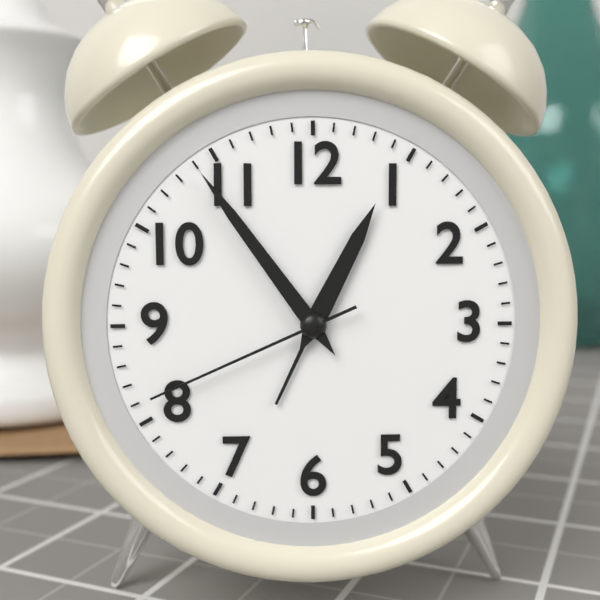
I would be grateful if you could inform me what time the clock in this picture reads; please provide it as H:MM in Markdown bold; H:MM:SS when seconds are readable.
**12:54:41**
